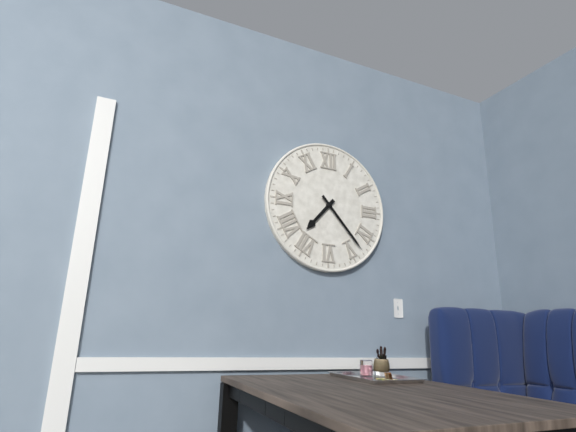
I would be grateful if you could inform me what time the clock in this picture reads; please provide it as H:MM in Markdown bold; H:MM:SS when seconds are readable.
**7:23**
